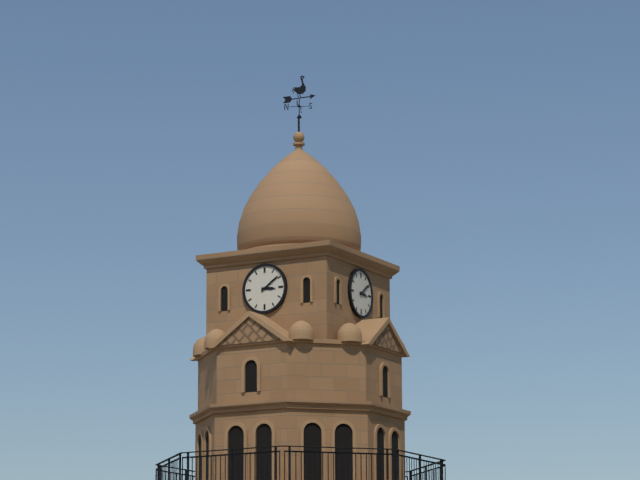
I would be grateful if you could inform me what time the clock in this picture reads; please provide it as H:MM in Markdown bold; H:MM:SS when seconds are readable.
**3:09**
